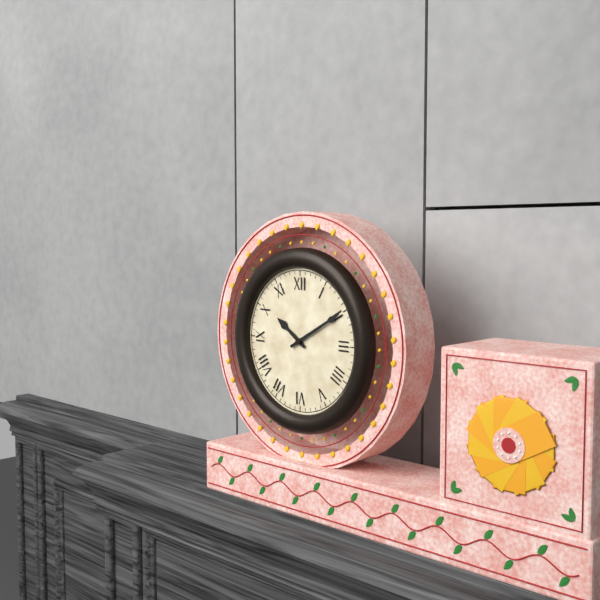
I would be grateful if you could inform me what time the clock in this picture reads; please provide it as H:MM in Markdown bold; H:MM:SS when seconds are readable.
**10:10**
